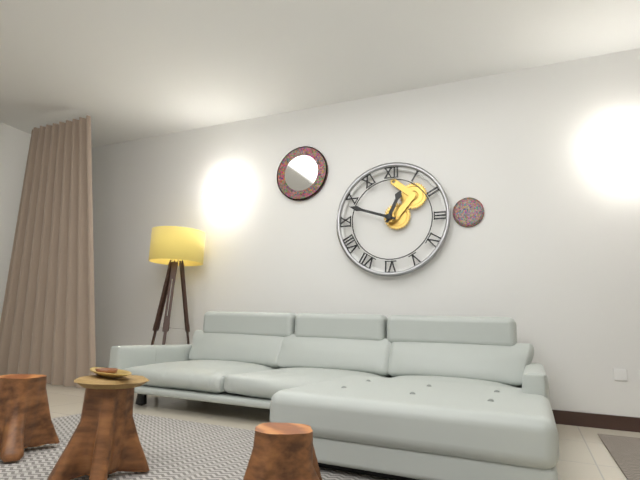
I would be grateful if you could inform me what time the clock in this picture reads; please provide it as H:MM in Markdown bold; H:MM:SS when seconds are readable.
**12:48**
